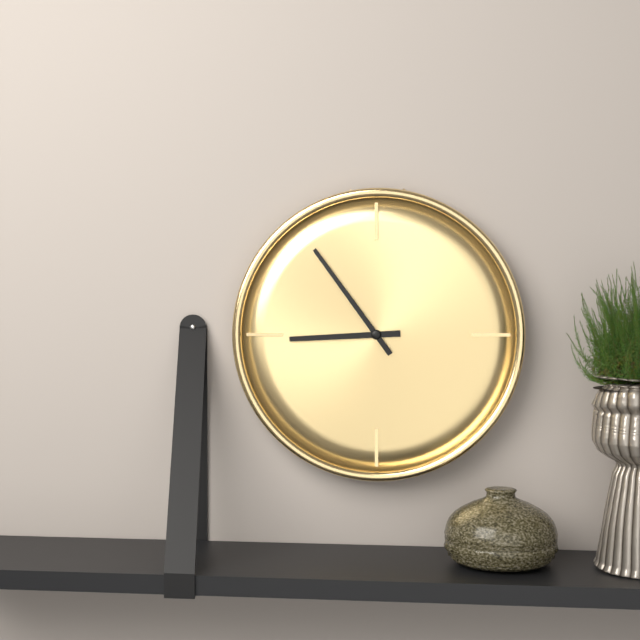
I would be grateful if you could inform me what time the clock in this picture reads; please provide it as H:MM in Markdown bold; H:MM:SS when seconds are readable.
**8:54**
